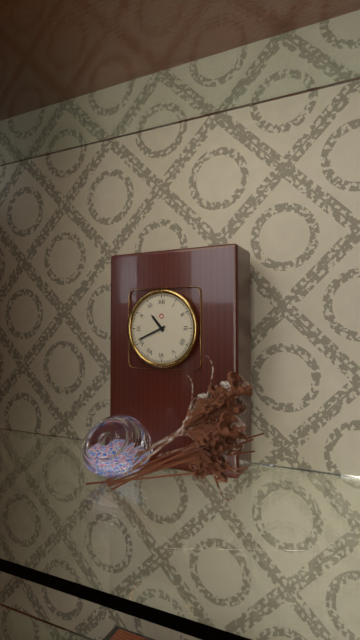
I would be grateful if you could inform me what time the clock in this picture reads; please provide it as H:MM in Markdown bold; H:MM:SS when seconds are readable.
**10:41**
